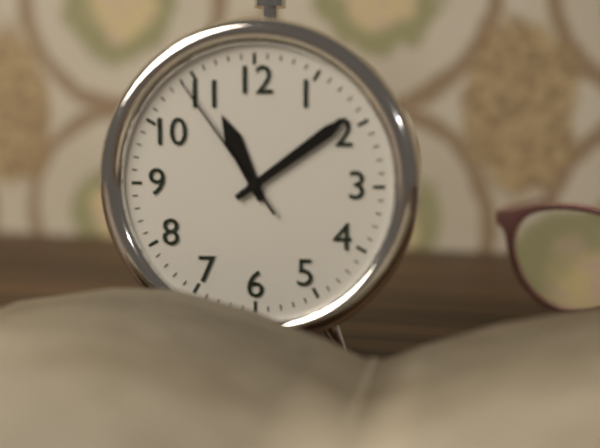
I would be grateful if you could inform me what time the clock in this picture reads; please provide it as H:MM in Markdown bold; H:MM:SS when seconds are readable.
**11:09:54**
